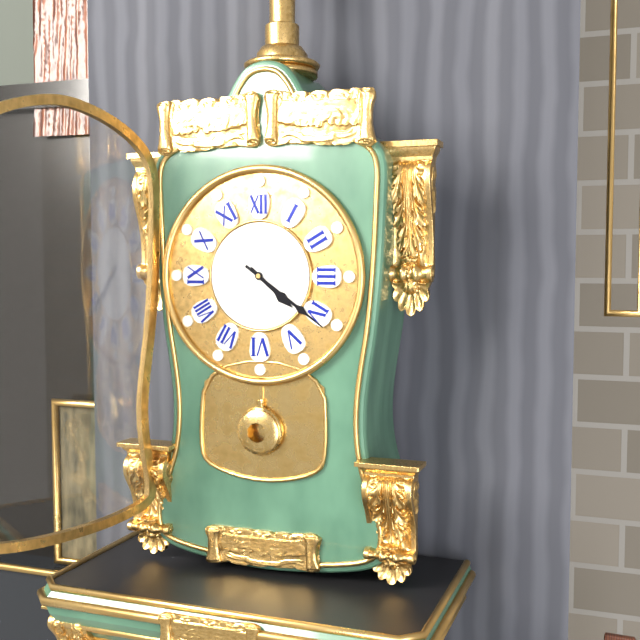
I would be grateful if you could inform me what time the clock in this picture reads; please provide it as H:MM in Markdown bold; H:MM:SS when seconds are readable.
**4:21**
